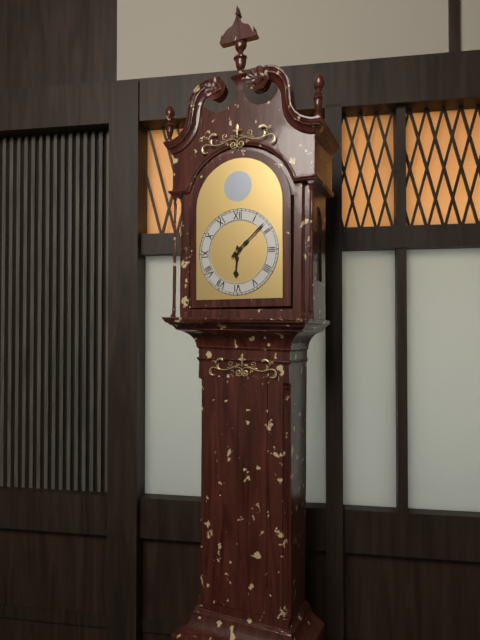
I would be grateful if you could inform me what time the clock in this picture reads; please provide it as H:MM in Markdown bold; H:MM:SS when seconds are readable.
**6:08**
